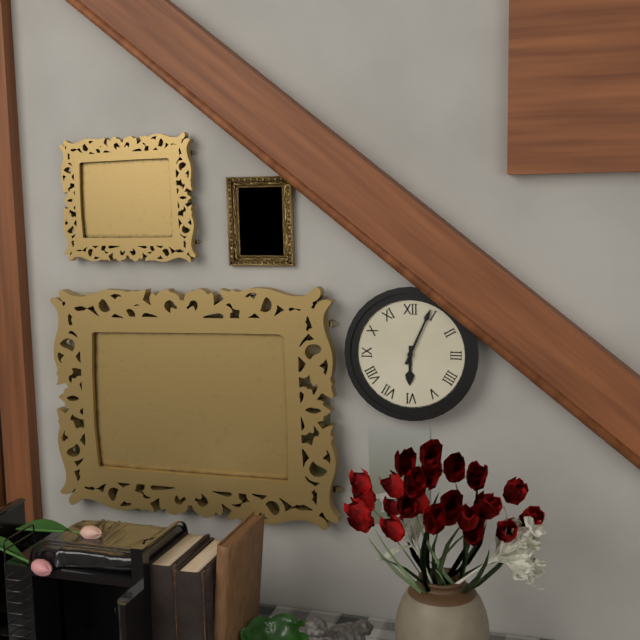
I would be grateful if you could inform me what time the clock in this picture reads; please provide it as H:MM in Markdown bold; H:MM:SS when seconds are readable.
**6:04**
